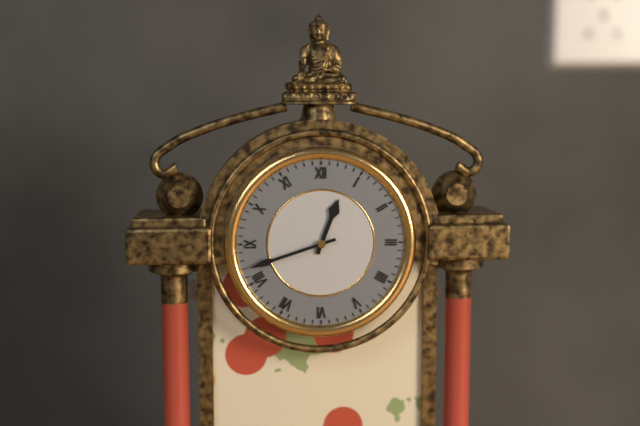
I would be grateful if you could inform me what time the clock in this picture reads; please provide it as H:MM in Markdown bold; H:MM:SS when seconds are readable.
**12:42**
